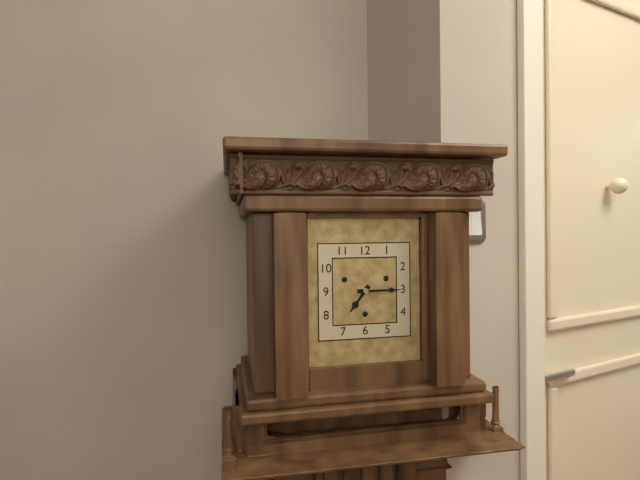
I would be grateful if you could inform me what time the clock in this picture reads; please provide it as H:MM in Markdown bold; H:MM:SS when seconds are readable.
**7:15**
